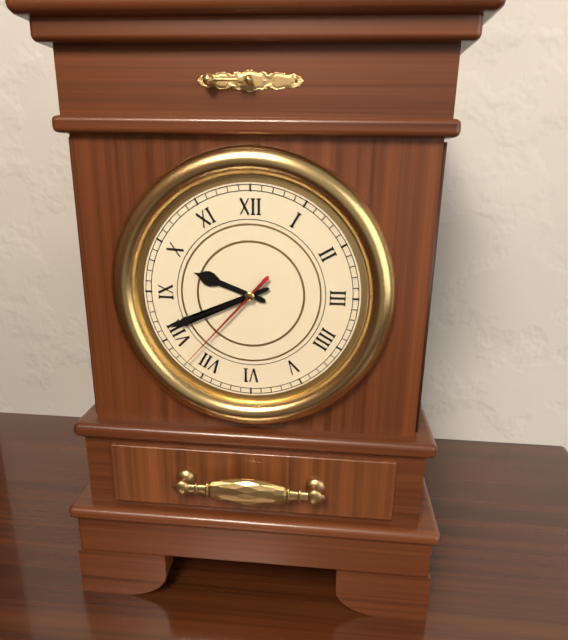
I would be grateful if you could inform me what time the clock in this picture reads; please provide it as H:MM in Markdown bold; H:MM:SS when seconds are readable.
**9:41:37**
